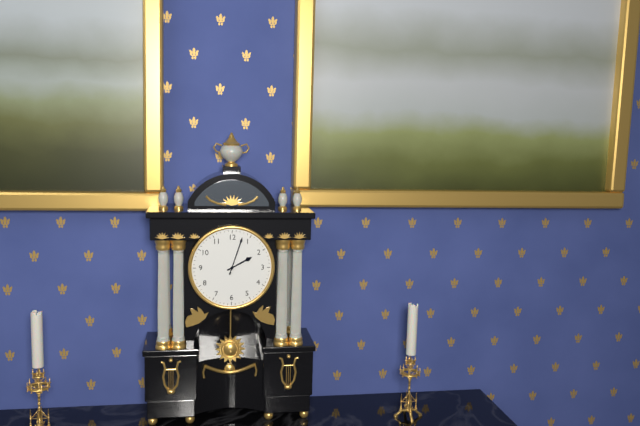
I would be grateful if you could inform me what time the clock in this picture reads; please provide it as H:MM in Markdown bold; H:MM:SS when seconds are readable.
**2:03**
